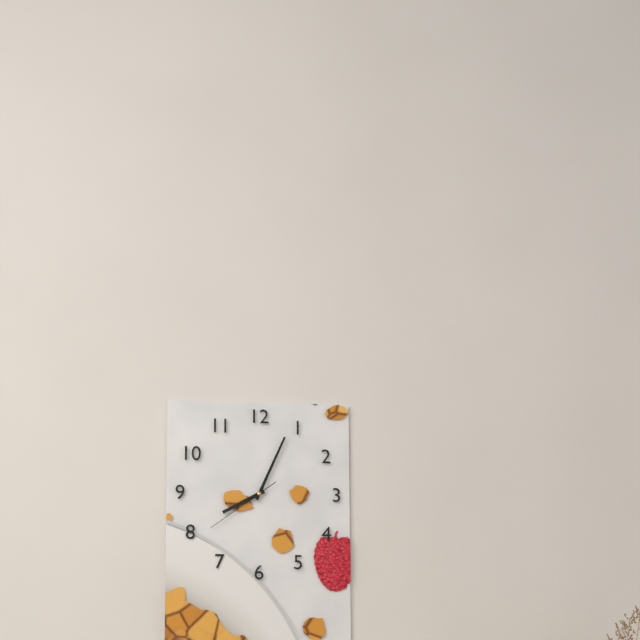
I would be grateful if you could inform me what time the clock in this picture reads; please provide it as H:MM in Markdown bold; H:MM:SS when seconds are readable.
**8:04:39**
